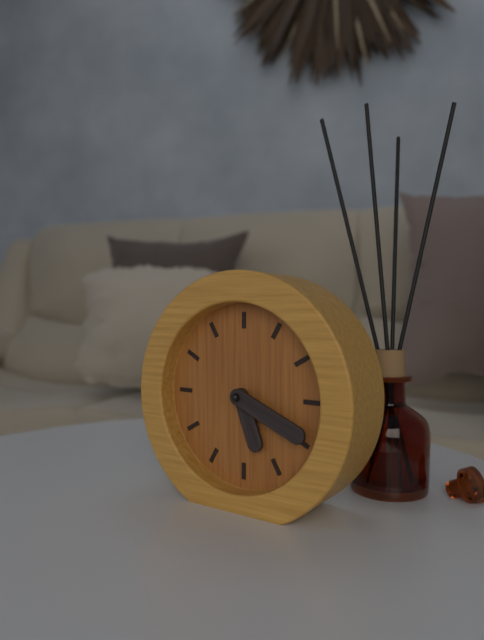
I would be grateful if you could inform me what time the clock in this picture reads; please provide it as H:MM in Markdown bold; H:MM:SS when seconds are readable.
**5:19**
